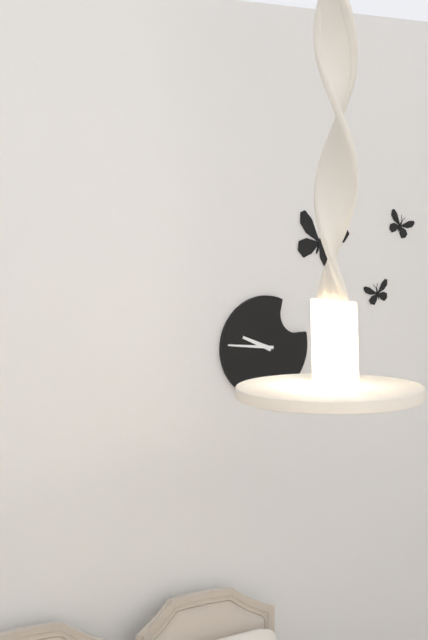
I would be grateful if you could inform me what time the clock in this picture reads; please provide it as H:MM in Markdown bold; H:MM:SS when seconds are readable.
**9:46**
